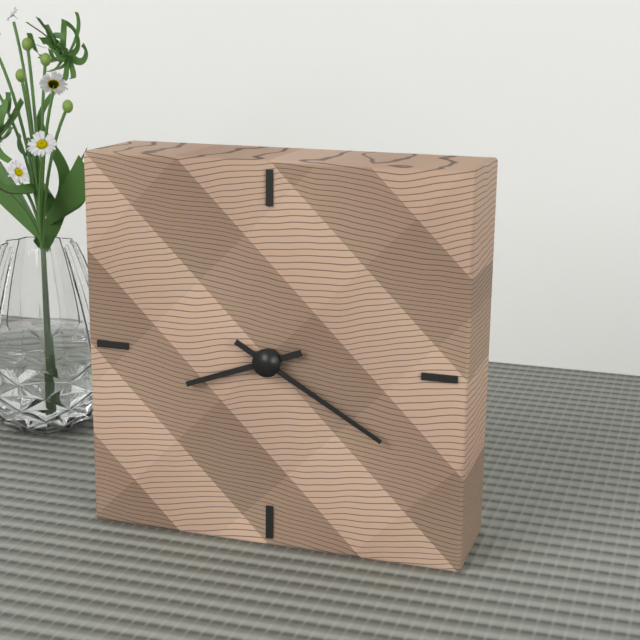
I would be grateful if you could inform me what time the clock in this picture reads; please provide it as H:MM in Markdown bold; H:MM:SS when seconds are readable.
**8:20**
